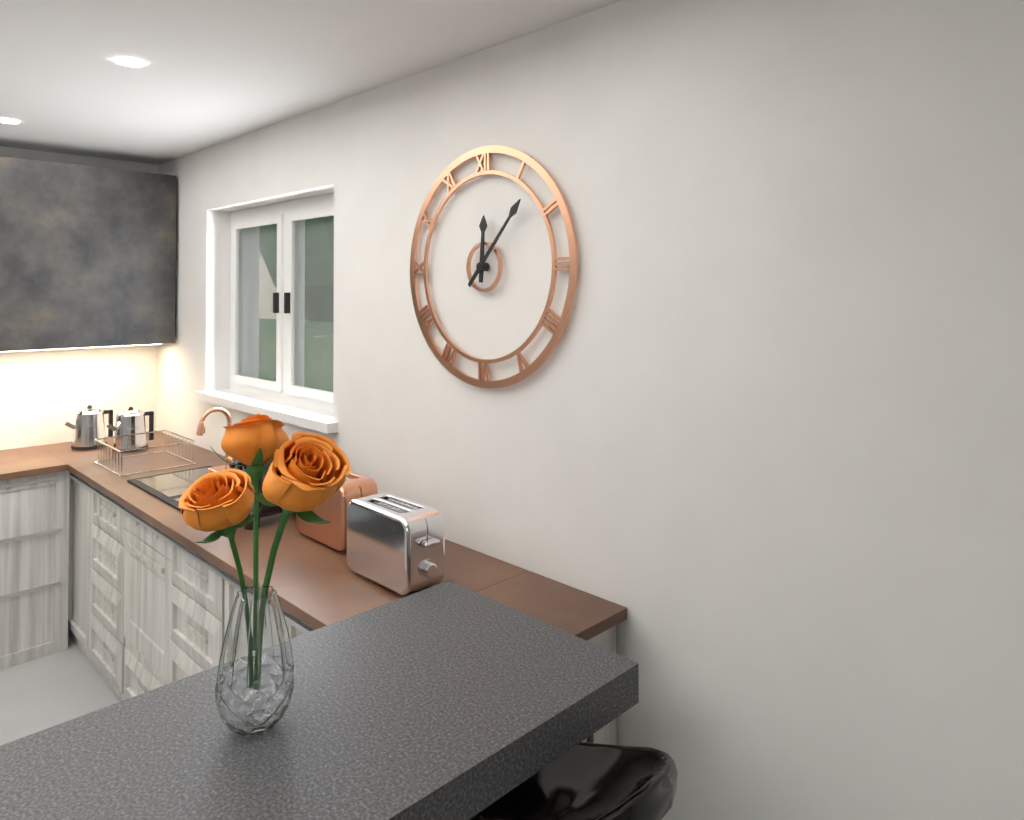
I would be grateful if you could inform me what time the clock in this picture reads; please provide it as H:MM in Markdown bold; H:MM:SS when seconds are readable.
**12:07**
